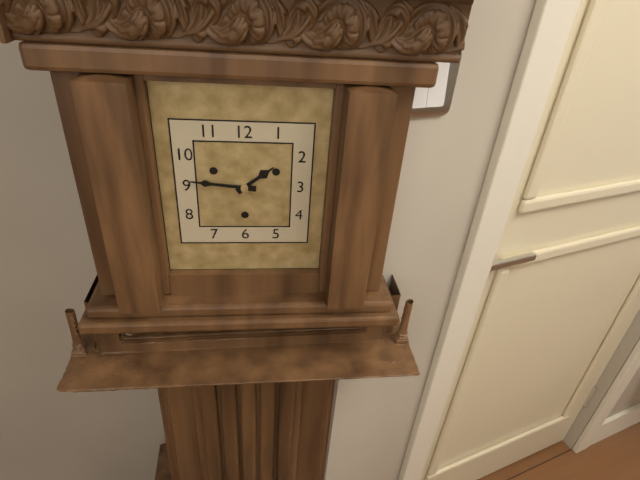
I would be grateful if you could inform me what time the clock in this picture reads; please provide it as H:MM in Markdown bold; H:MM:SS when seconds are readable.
**1:46**
